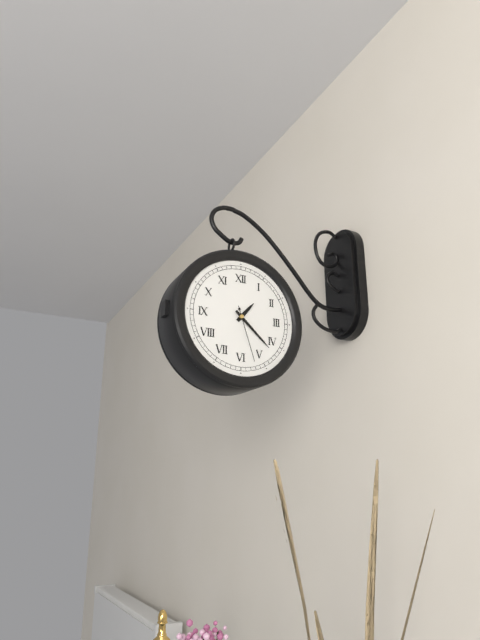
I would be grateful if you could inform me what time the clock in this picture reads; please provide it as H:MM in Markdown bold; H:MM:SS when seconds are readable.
**1:22:27**
